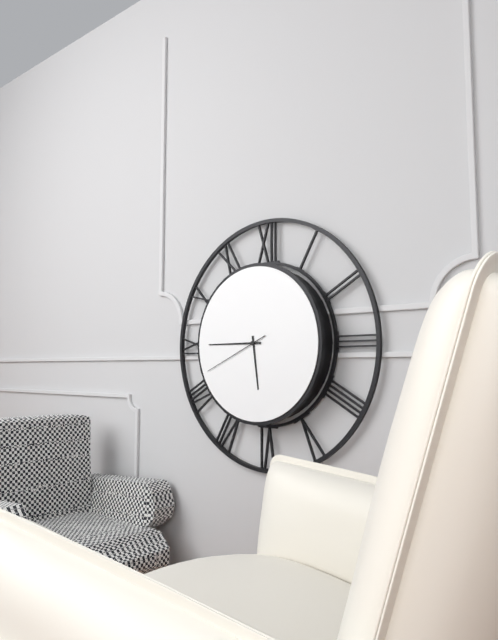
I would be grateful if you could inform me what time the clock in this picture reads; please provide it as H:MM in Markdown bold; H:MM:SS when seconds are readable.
**5:45:41**
